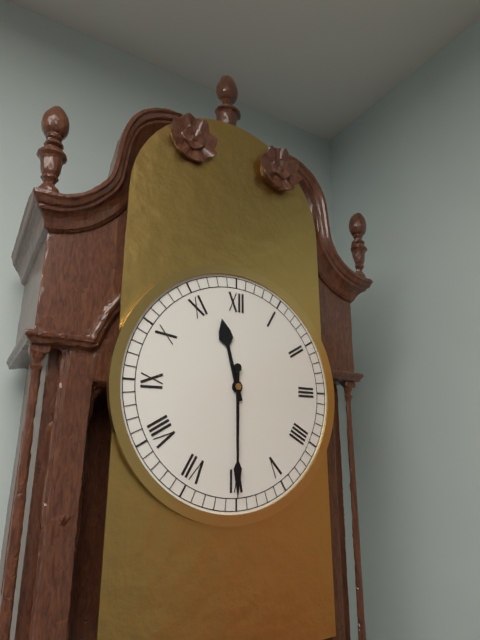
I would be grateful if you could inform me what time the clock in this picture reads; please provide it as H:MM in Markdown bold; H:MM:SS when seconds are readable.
**11:30**
